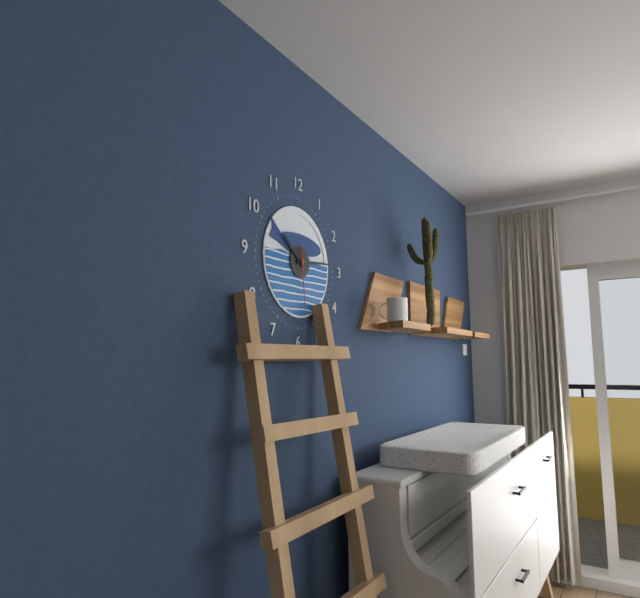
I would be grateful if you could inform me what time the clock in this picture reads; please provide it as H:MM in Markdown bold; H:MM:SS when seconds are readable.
**10:14:29**
